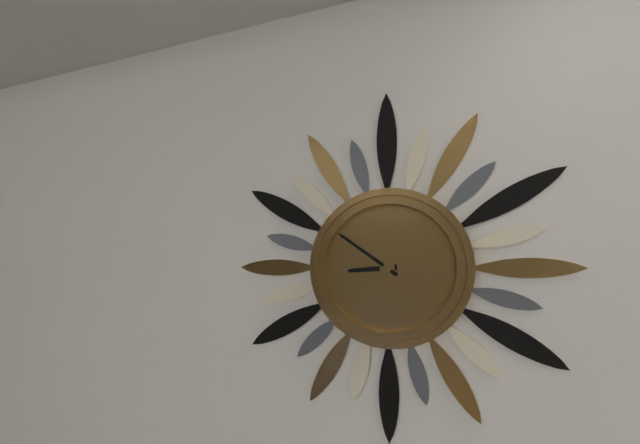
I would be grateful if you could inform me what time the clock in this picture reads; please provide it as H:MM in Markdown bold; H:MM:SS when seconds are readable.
**8:51**
